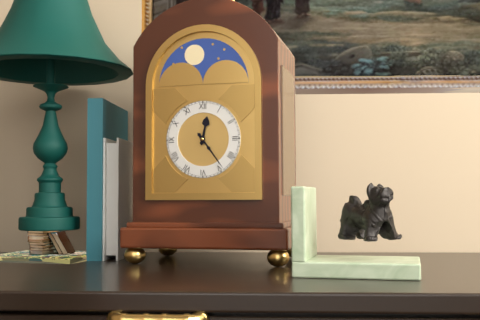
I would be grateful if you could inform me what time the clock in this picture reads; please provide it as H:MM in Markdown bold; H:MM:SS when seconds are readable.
**12:24**
